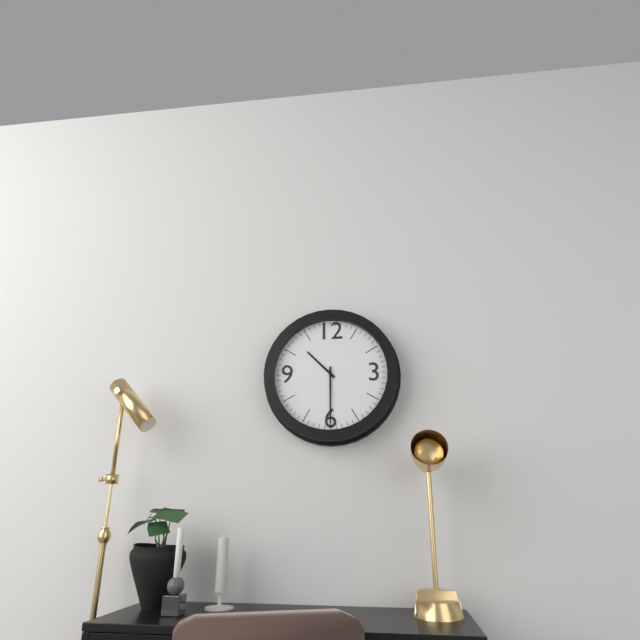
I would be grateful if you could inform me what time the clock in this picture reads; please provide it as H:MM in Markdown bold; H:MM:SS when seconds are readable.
**10:30**
